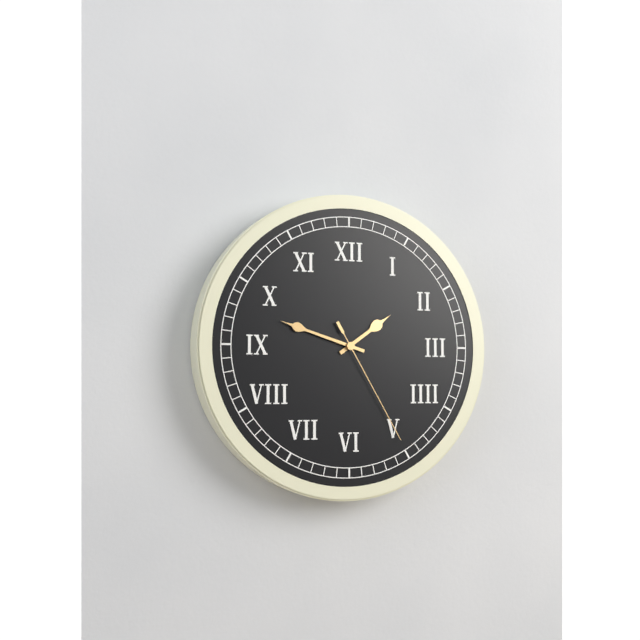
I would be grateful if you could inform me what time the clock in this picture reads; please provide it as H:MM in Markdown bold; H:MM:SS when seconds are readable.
**1:48:25**
